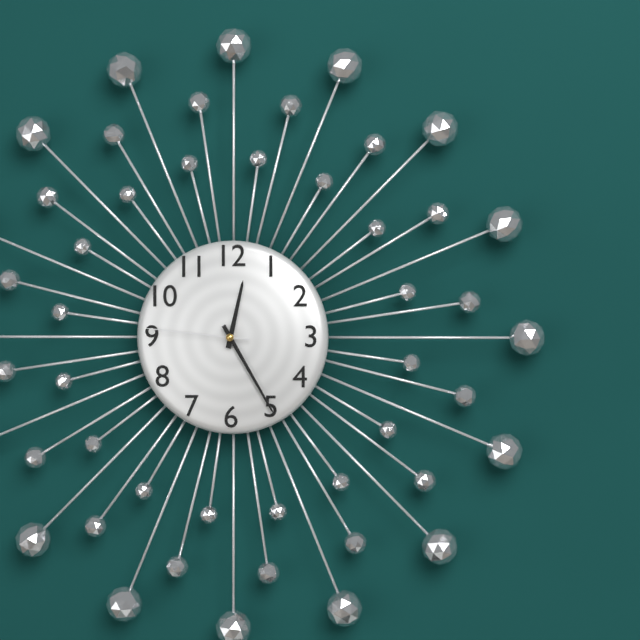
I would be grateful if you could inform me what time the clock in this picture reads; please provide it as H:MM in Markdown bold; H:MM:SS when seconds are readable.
**12:25:46**
